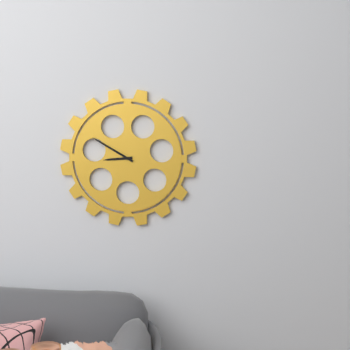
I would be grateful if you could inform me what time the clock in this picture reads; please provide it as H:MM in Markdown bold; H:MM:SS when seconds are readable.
**8:50**
